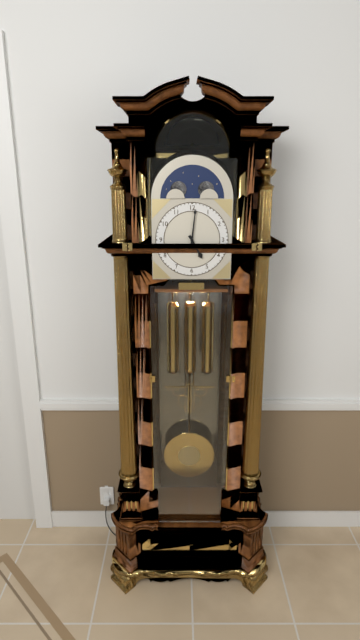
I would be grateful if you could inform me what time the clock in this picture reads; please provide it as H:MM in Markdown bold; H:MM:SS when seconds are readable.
**5:01**
